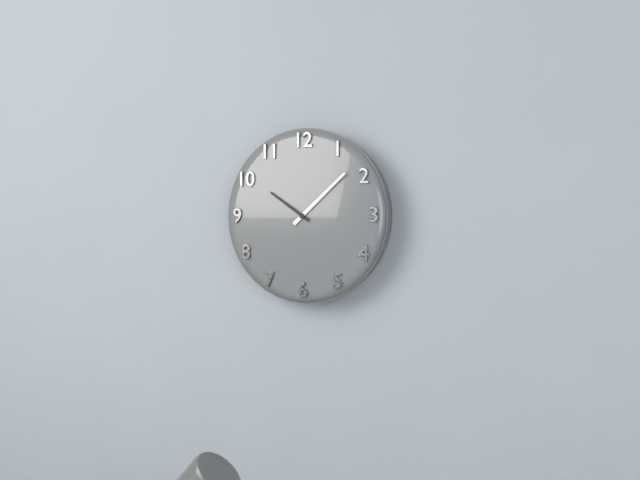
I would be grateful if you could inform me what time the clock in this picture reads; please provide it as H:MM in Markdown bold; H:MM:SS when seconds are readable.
**10:08**
